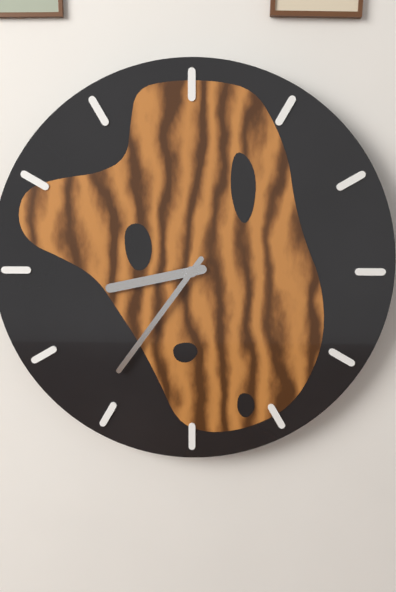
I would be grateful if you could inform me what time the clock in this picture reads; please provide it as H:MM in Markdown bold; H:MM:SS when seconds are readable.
**8:36**
